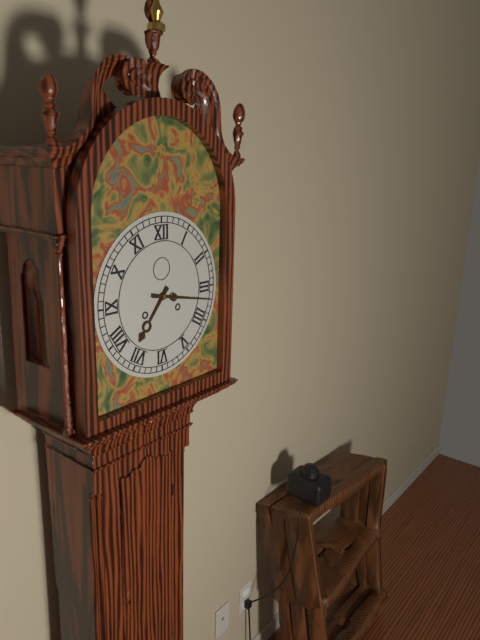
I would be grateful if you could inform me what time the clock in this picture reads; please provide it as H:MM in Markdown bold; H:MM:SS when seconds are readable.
**7:17**
